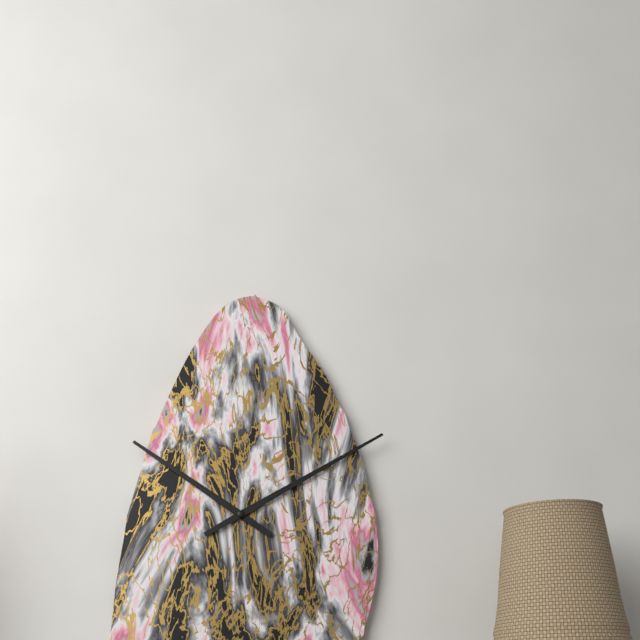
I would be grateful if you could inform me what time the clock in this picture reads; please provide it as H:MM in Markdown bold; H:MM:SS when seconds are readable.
**10:10**
